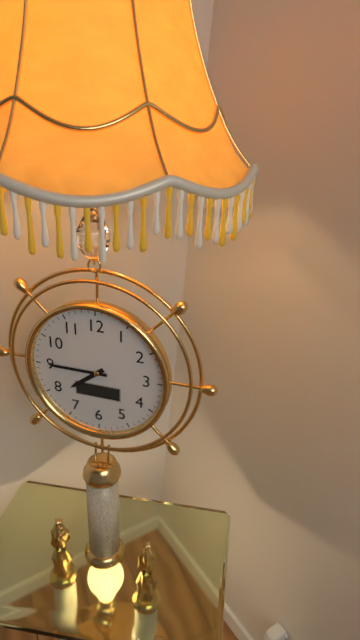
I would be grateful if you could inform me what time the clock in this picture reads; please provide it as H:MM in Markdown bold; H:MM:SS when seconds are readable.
**7:45**
